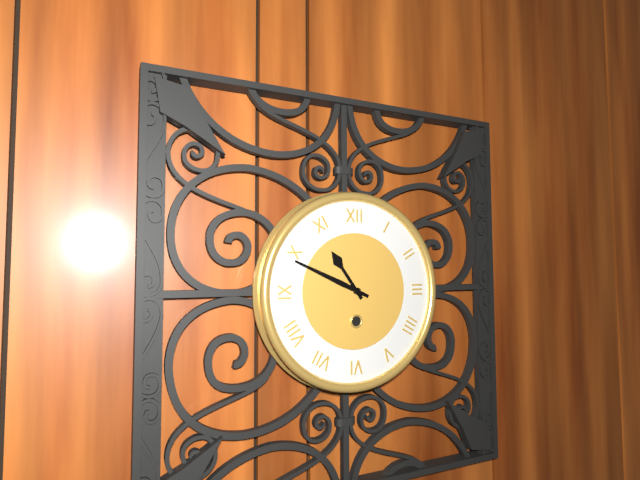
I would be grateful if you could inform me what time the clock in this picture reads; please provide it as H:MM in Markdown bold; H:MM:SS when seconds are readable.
**10:49**
